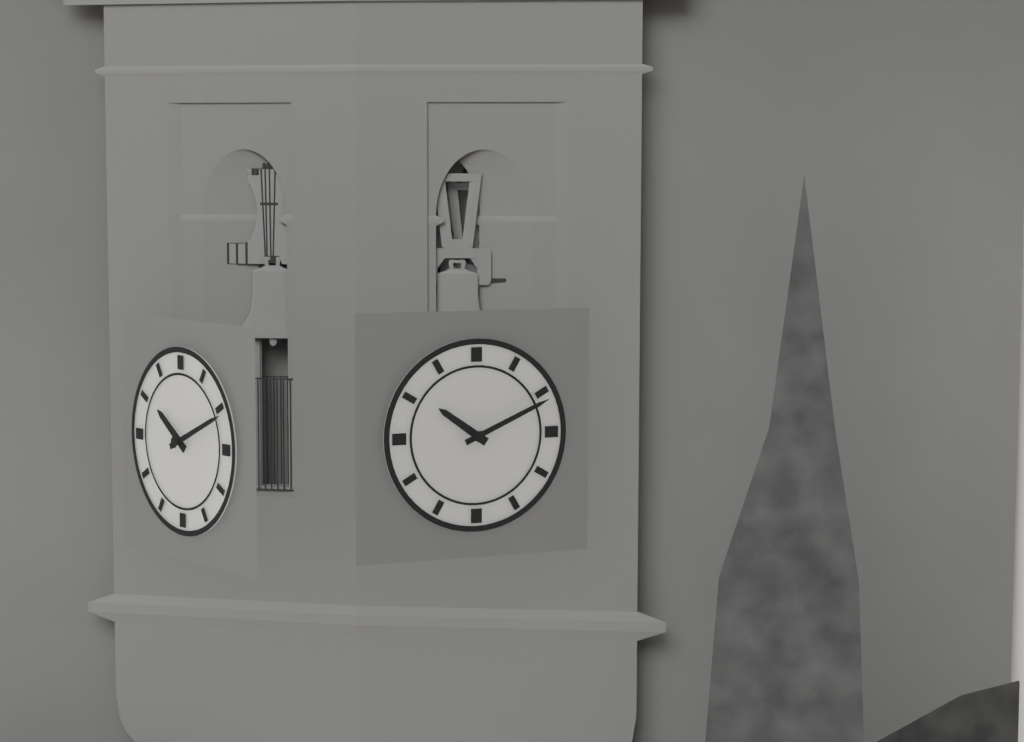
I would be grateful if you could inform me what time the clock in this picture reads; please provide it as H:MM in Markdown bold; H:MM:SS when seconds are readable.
**10:11**
